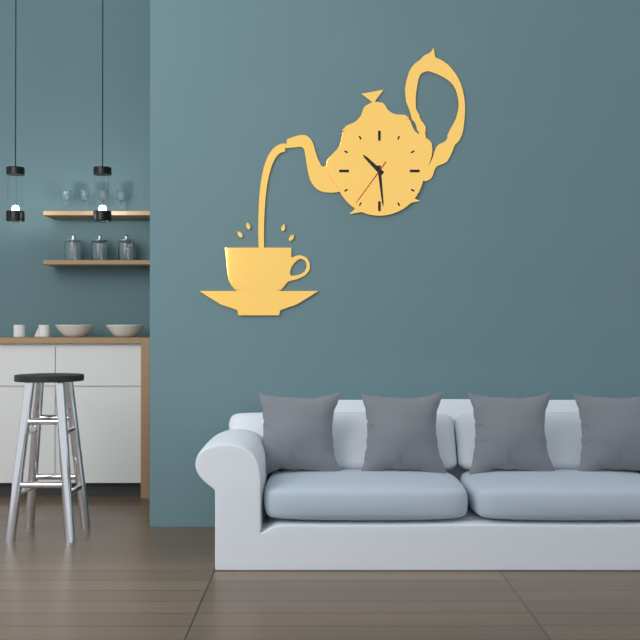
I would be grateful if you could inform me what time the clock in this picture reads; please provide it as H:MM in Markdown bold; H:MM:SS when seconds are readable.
**10:29:36**
